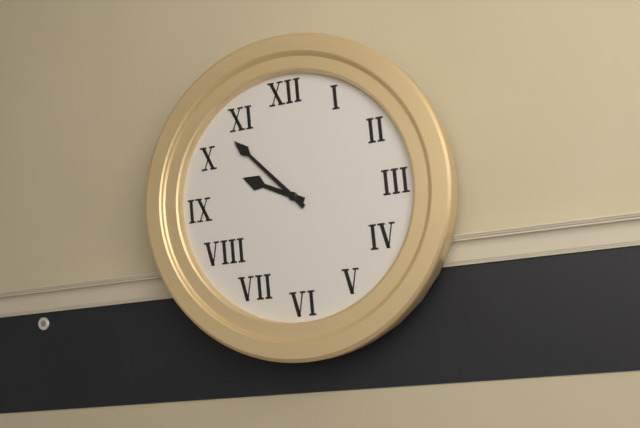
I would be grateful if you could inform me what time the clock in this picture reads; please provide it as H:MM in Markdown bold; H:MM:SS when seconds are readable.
**9:53**
